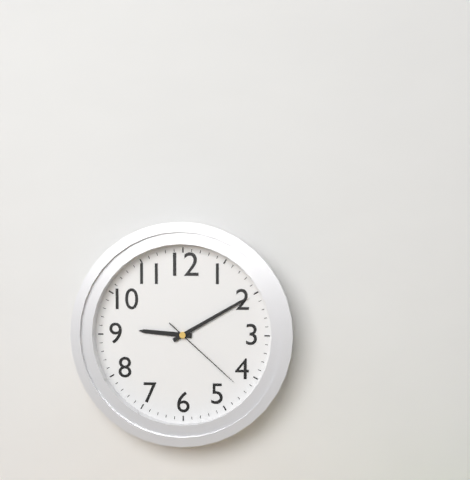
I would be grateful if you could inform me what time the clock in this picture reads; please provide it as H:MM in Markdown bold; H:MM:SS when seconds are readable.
**9:10:22**
